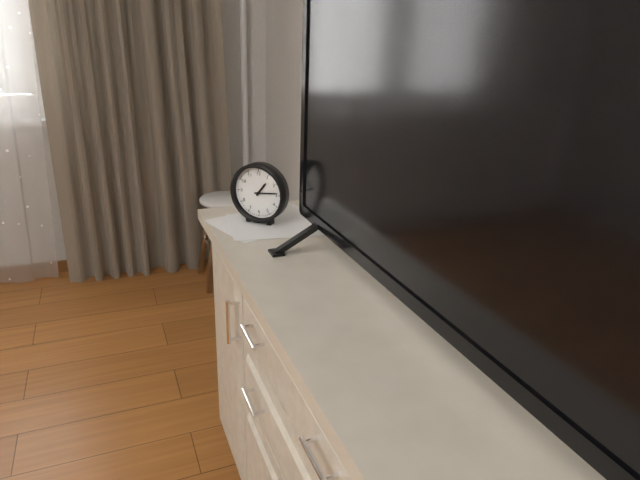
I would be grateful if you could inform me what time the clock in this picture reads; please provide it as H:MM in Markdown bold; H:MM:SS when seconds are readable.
**1:14**
